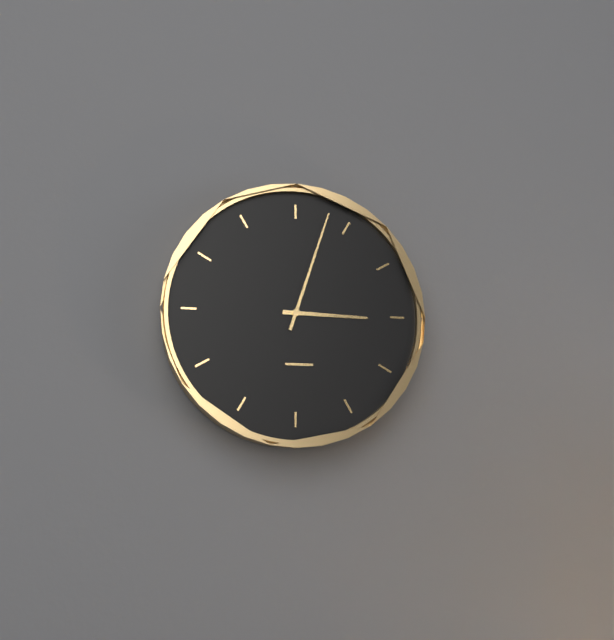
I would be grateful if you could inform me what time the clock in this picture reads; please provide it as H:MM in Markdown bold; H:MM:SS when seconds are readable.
**3:03**
